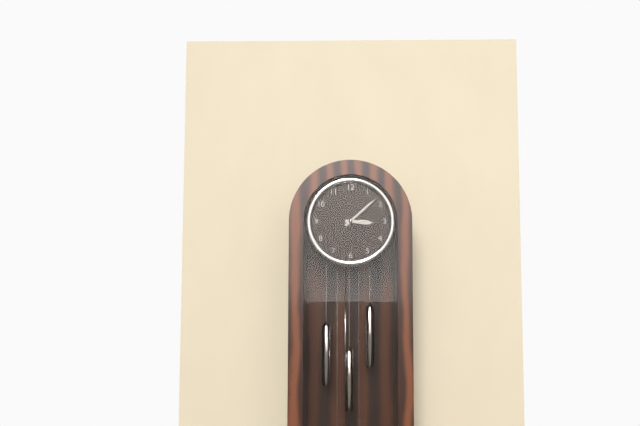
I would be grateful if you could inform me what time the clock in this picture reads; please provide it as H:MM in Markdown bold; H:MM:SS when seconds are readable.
**3:08**
